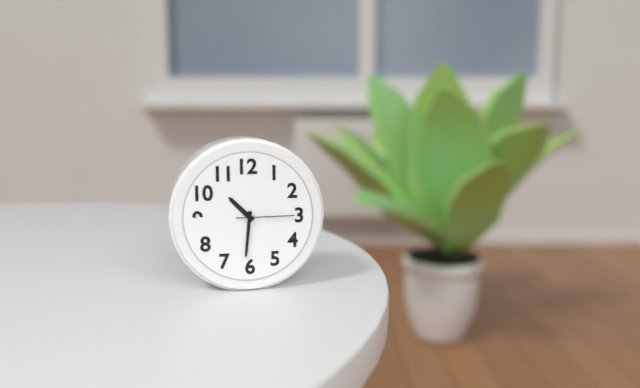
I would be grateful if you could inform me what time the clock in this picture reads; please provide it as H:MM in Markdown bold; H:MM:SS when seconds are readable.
**10:31:15**
